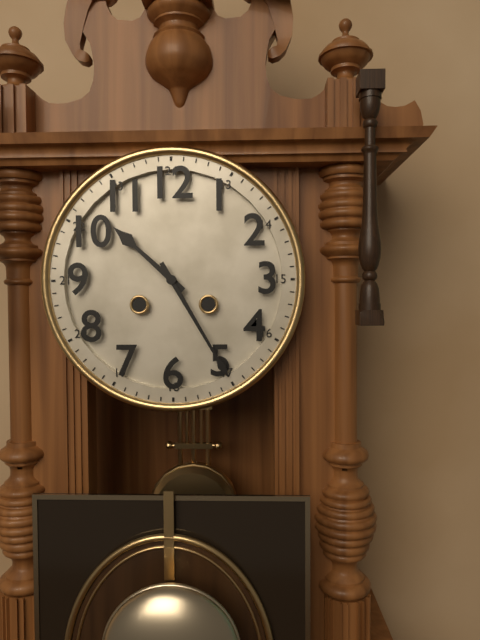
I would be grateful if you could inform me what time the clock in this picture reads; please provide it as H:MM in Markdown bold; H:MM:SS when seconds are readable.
**10:25**
